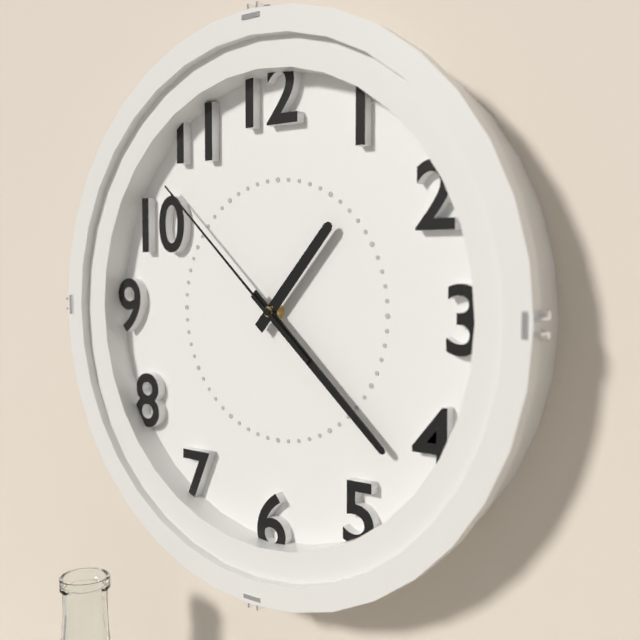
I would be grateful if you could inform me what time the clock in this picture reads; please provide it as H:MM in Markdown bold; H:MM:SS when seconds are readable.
**1:22:52**
